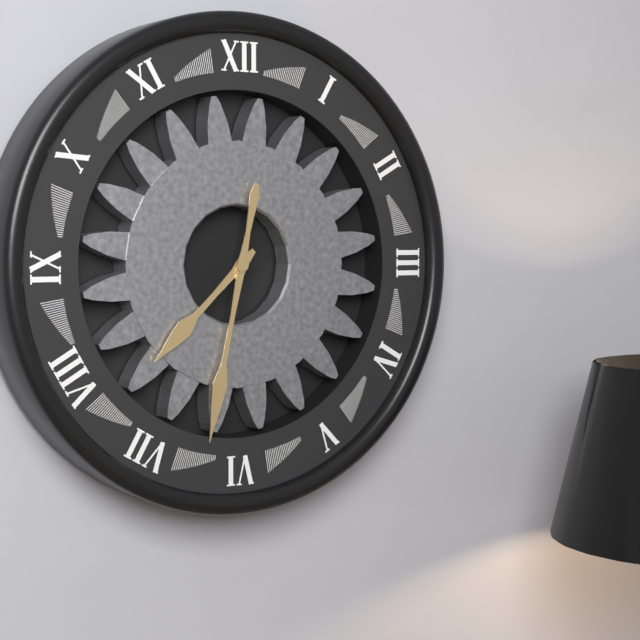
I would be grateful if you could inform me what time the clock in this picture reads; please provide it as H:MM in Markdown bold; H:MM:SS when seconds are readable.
**7:32**
